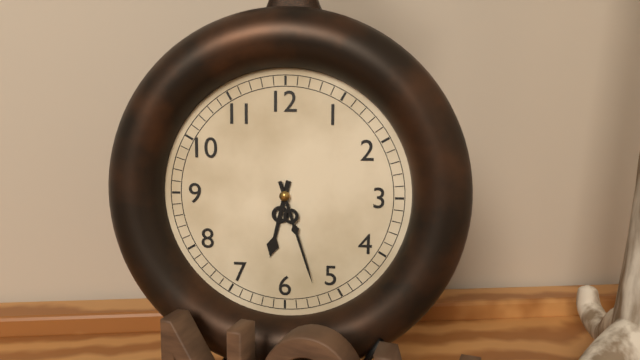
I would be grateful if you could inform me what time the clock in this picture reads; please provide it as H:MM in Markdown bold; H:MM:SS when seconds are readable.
**6:27**
